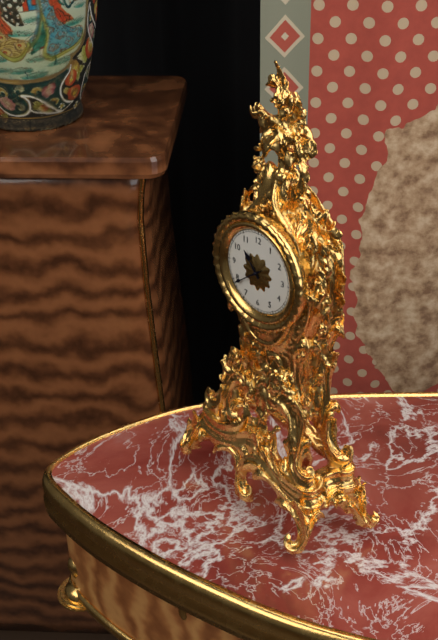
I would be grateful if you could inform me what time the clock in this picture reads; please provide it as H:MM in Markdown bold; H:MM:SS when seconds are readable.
**10:39**
